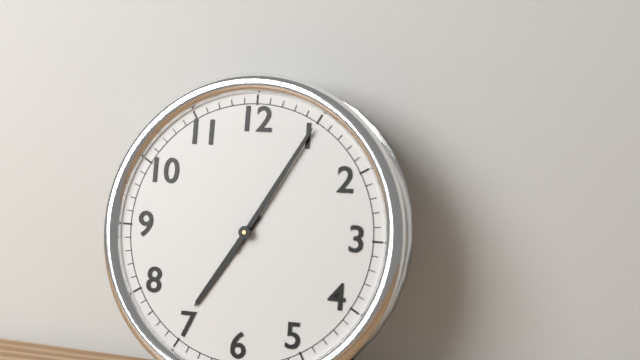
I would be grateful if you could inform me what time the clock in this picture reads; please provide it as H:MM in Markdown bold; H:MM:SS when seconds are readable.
**7:05**
